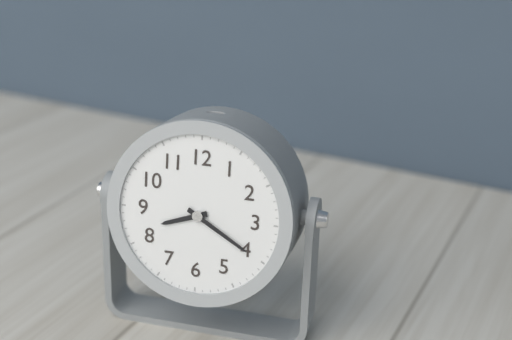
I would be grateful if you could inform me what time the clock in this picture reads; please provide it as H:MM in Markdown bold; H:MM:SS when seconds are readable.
**8:20**
